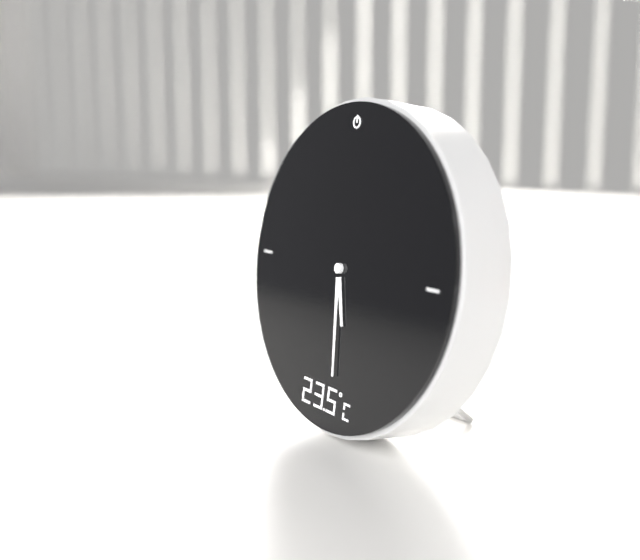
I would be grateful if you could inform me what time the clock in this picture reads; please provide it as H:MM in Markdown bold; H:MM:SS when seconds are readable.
**5:29**
